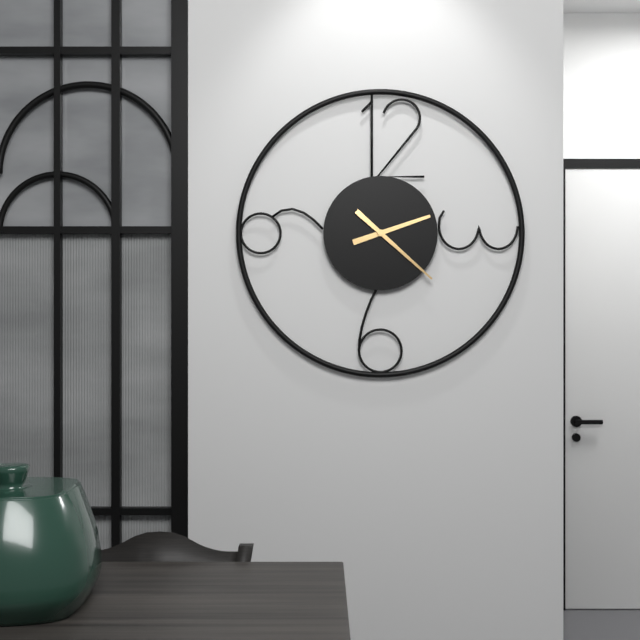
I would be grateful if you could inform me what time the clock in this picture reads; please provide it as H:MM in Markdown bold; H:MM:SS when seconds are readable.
**2:22**
